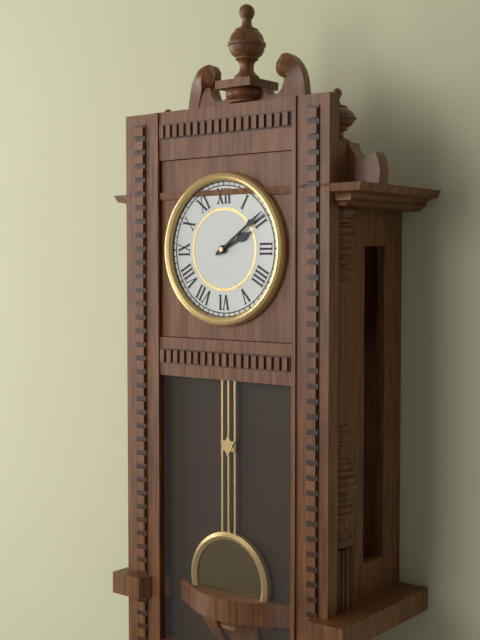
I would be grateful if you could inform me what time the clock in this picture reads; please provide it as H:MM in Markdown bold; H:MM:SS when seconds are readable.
**2:09**
